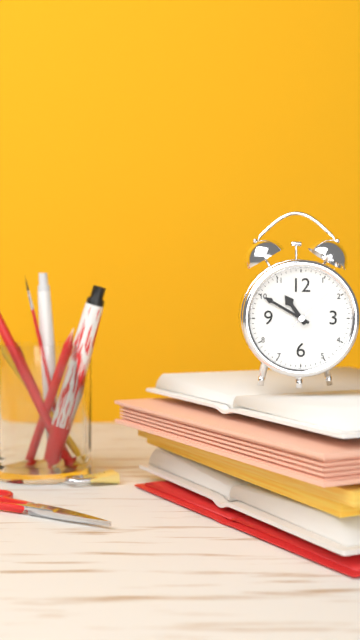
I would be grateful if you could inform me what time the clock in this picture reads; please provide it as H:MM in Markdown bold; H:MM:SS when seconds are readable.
**10:50:08**
